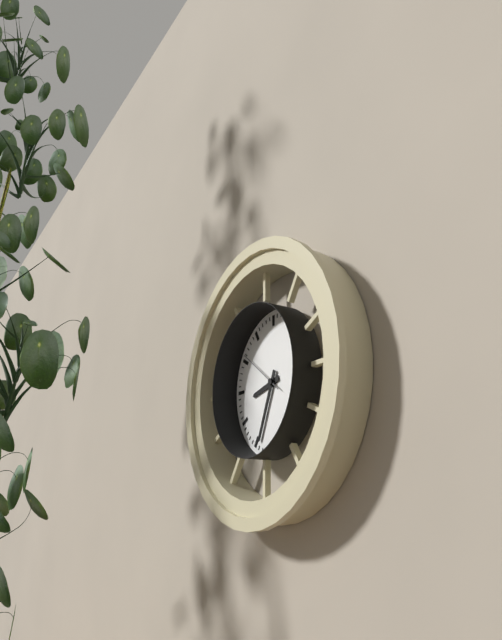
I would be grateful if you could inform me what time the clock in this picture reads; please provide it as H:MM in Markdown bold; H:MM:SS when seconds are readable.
**8:34**
